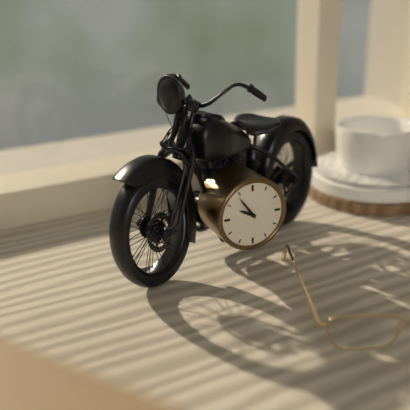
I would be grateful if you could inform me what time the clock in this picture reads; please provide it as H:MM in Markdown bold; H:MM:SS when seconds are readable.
**9:54**
